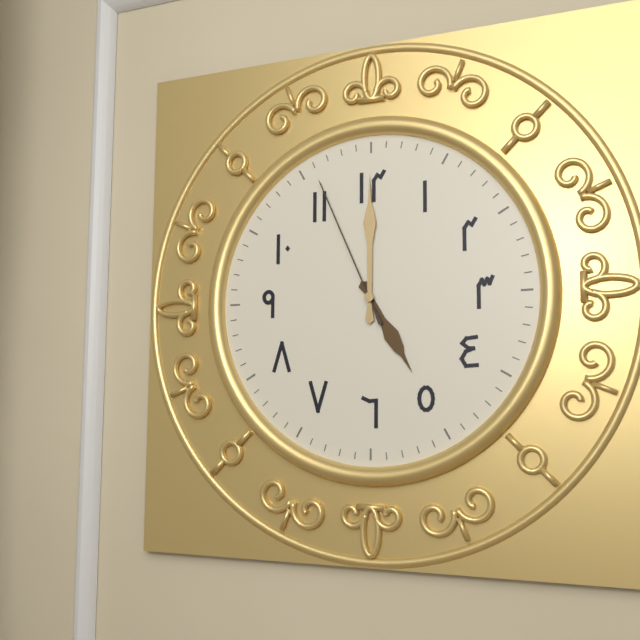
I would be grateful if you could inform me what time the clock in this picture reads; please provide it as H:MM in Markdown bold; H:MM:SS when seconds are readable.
**5:00:56**
